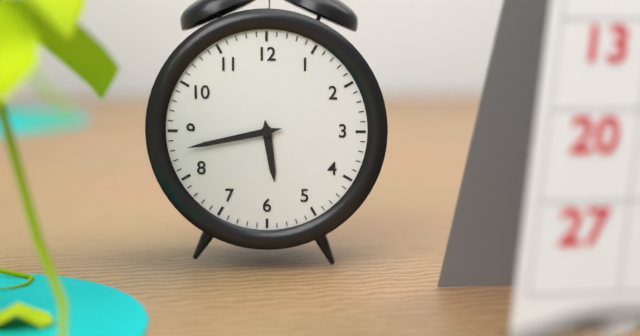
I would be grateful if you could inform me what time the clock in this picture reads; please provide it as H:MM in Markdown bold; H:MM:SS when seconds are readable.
**5:43**
